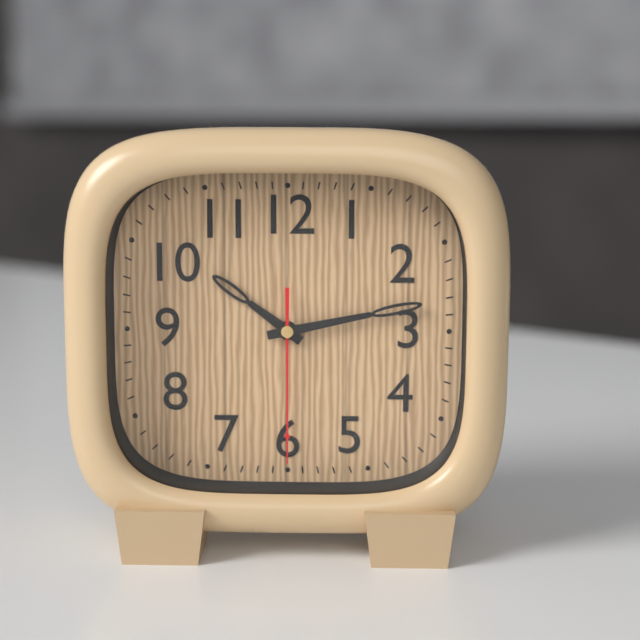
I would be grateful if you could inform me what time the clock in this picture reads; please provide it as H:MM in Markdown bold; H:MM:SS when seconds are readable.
**10:13:30**
